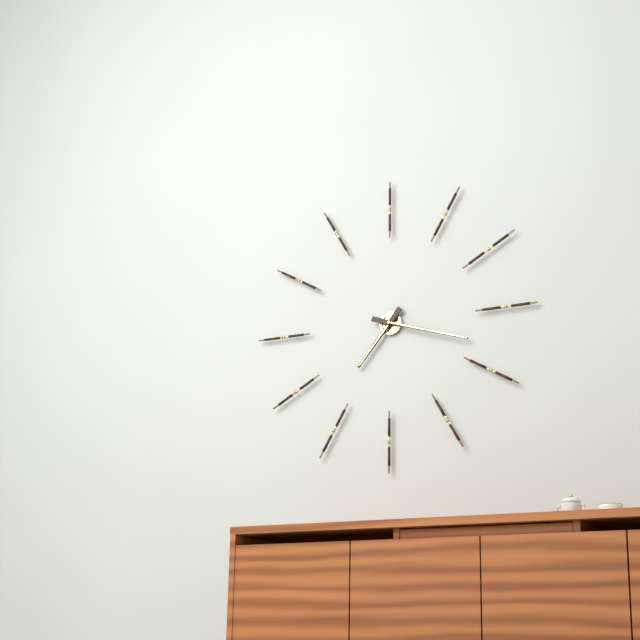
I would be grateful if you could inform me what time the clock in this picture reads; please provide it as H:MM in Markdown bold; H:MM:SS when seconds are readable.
**7:18**
